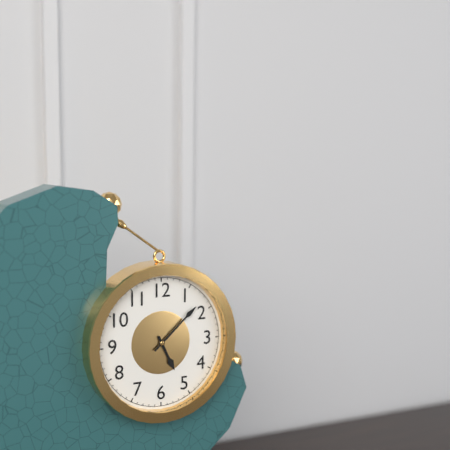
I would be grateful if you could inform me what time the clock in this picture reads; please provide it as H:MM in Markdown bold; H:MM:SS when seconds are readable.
**5:08**
